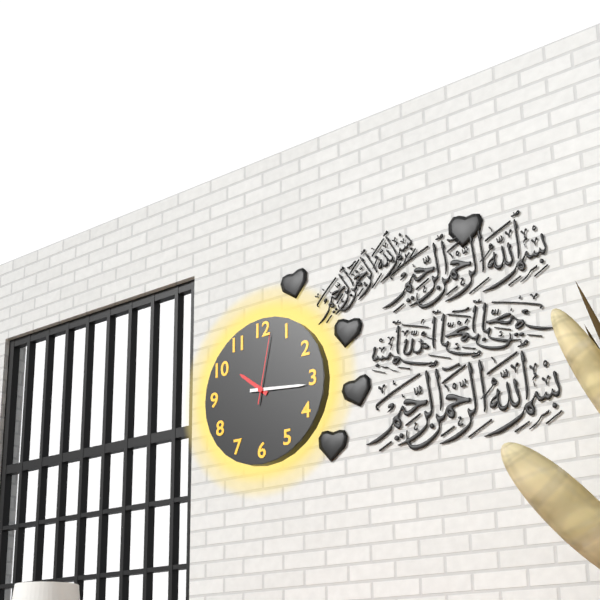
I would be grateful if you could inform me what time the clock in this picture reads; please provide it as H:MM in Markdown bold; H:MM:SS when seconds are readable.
**10:16:02**
